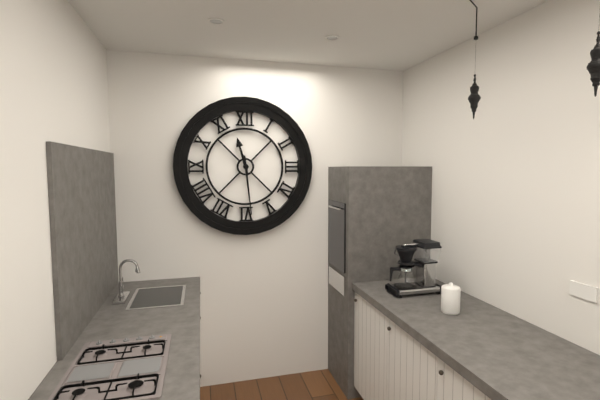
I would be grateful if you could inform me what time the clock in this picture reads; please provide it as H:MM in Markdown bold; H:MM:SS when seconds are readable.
**11:29**
